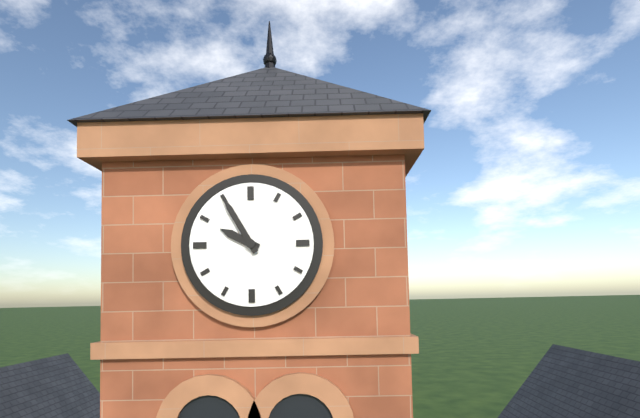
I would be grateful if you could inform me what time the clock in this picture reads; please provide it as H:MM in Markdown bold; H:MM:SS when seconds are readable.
**9:55**
